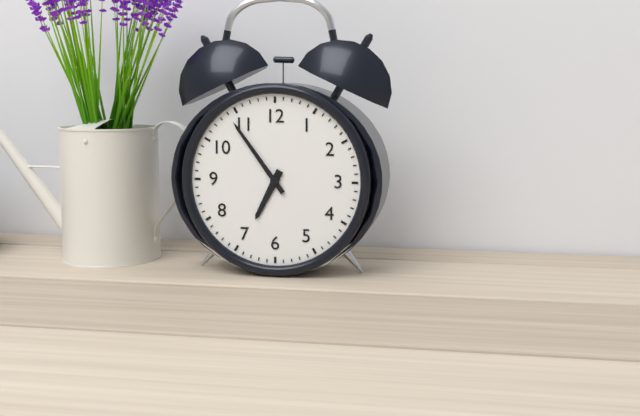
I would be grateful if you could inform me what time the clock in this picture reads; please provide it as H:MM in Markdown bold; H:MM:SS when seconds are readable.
**6:54**
